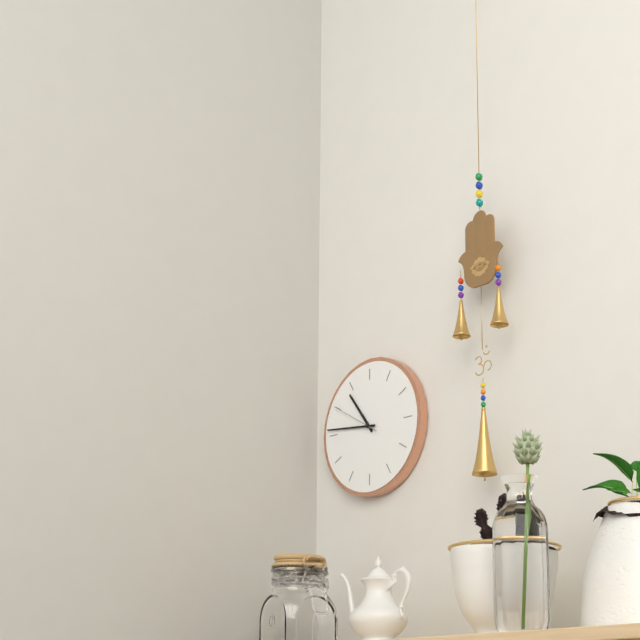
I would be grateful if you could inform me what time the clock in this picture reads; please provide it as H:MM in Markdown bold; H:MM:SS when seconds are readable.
**10:46**
